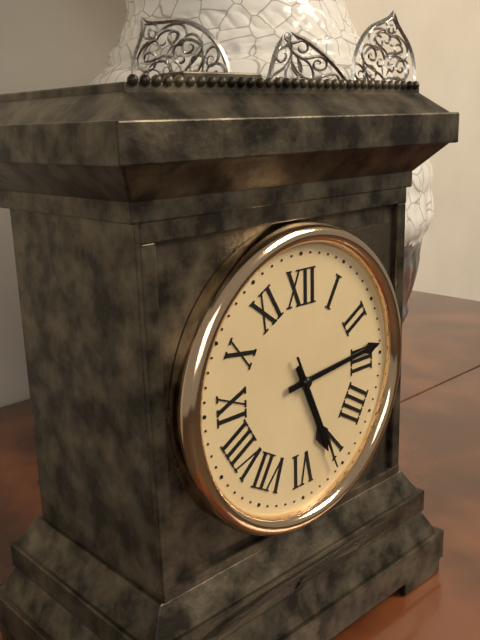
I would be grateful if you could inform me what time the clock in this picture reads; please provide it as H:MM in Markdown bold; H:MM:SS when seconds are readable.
**5:14:26**
